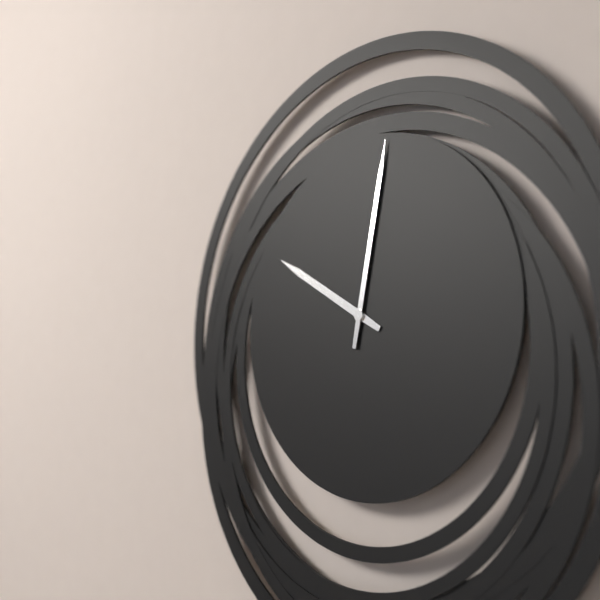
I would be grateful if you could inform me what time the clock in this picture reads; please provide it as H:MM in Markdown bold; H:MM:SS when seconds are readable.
**10:02**
